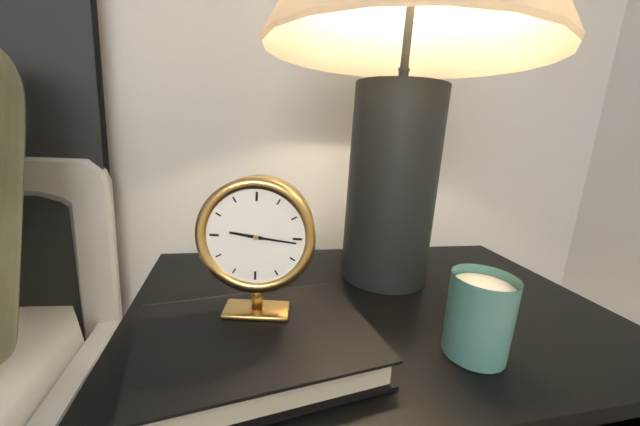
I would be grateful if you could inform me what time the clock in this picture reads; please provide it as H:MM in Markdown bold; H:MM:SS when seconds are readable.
**9:16**
